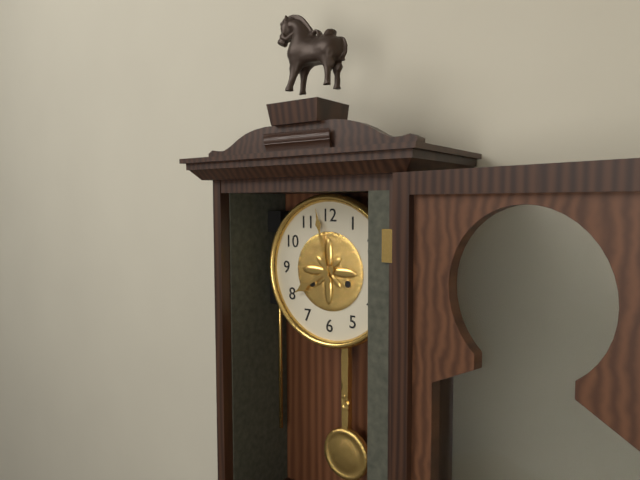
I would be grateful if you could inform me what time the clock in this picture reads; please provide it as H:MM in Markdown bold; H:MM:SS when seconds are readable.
**7:58**
